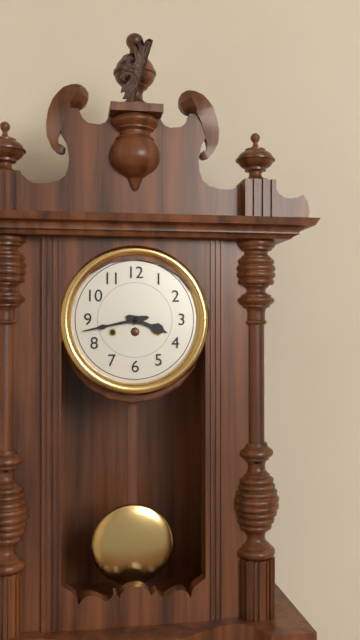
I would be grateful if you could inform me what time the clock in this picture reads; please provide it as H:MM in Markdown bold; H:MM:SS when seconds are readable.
**3:43**
